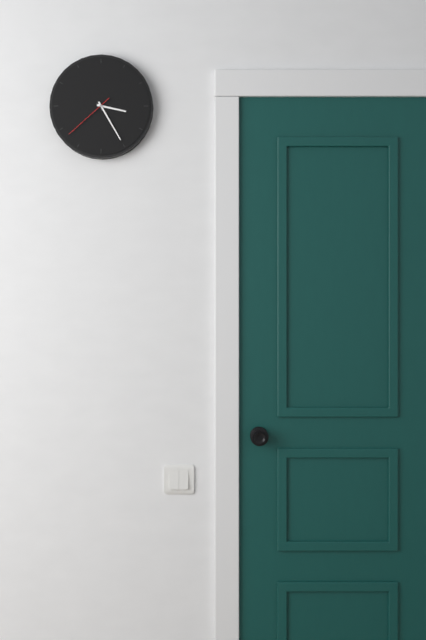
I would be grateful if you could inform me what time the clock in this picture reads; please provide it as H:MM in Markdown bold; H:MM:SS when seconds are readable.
**3:25:38**
